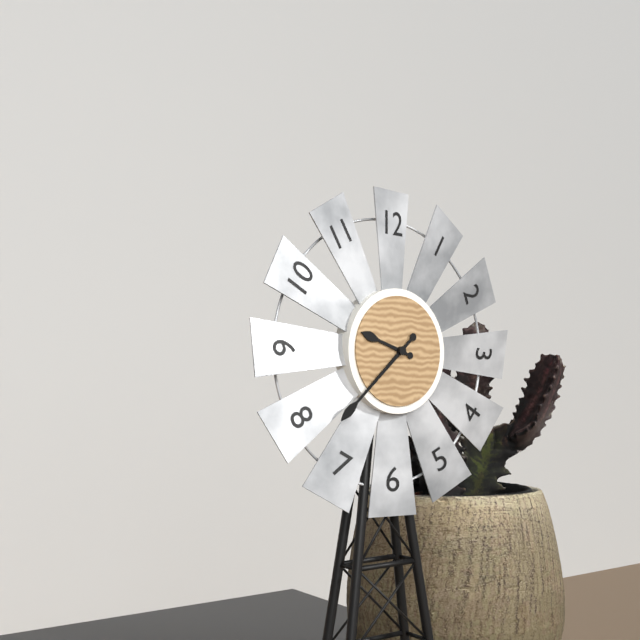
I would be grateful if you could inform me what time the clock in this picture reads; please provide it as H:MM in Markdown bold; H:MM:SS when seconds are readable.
**9:38**
